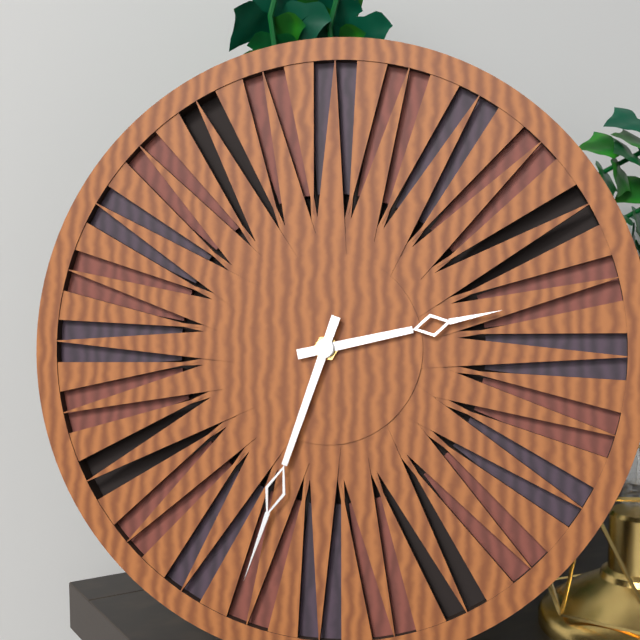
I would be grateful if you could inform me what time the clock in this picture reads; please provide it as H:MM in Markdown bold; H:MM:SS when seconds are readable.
**2:33**
